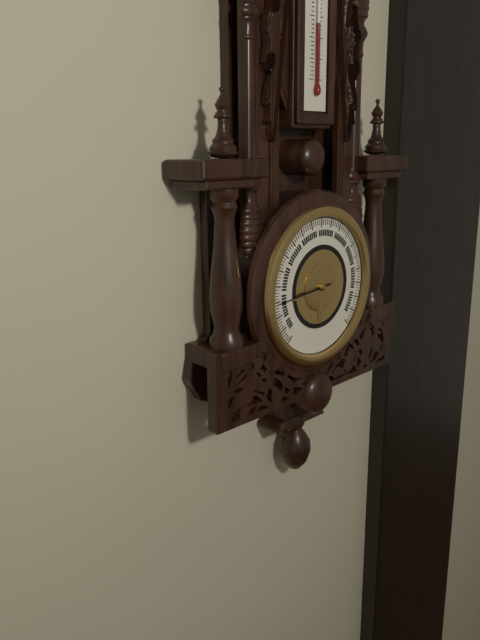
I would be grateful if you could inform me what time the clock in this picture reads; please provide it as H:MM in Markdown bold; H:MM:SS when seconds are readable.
**8:44**
